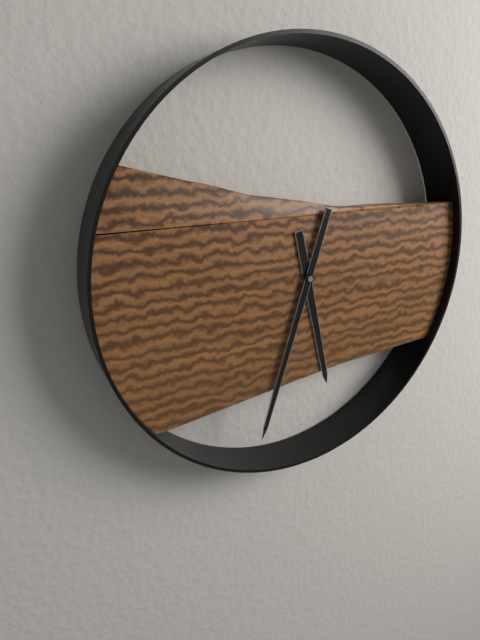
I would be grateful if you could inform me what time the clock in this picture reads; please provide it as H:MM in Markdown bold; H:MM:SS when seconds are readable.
**5:33**
